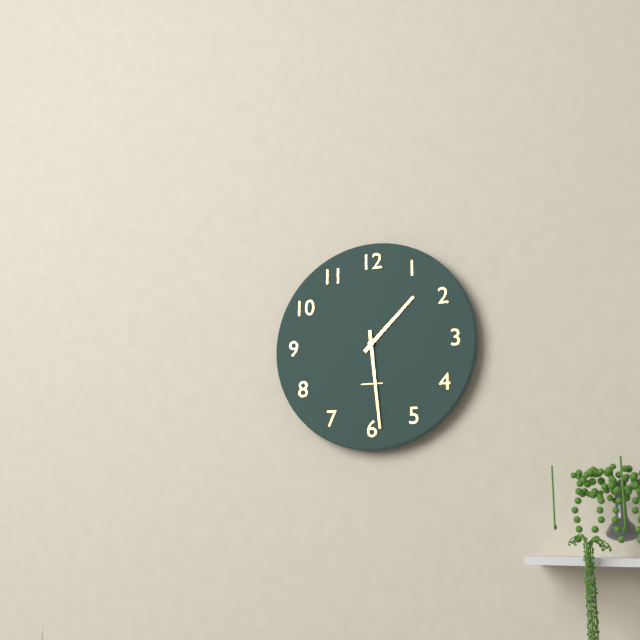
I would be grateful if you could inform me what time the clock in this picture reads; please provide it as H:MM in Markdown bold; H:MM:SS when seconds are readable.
**1:29**
